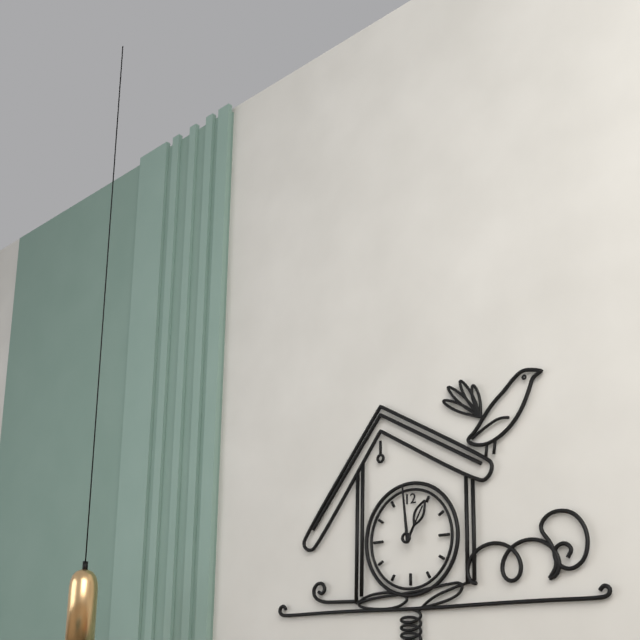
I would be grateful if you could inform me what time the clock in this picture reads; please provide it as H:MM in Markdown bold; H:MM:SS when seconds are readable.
**12:59**
